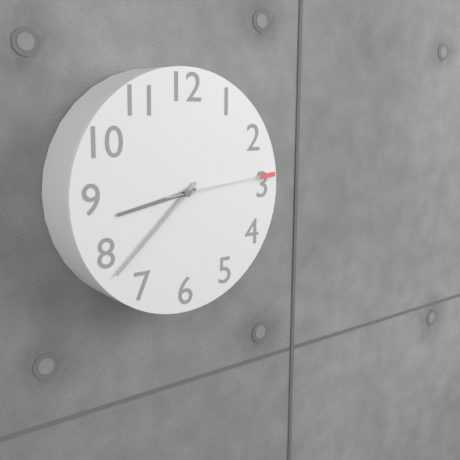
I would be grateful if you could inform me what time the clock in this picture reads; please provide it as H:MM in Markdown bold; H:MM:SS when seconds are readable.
**8:38:14**
